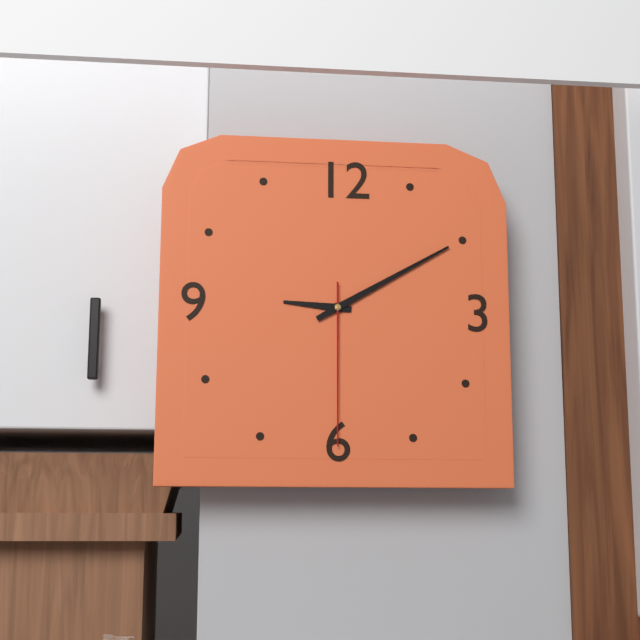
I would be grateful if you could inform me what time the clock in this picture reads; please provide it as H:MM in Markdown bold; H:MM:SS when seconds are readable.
**9:10:30**
